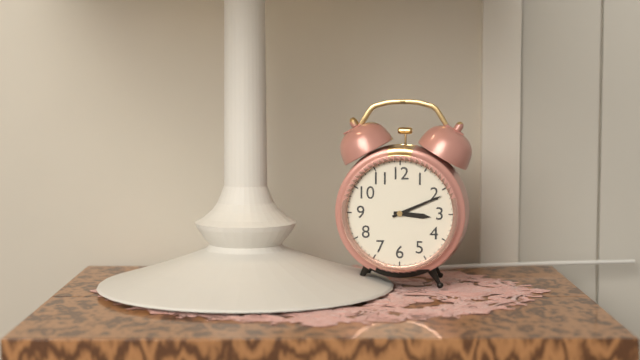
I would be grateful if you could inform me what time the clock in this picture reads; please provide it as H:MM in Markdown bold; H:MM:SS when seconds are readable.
**3:11**
